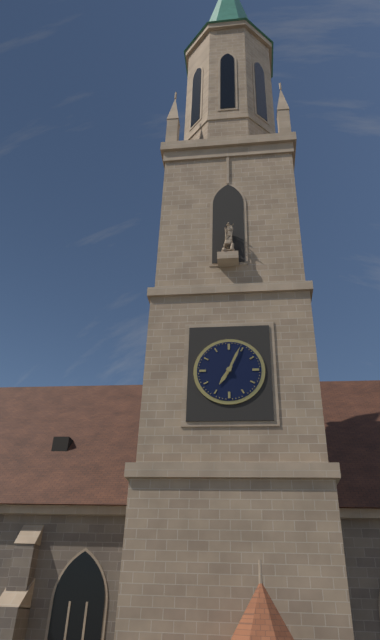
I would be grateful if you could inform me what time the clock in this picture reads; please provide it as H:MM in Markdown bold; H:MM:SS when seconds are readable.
**7:04**
